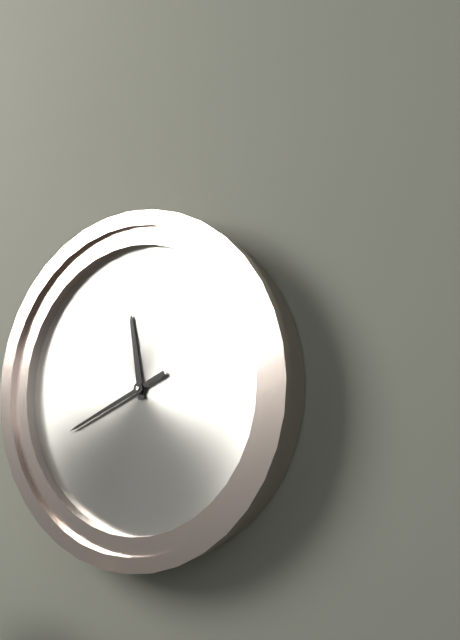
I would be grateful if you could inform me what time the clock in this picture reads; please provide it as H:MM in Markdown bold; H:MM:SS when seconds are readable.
**11:41**
